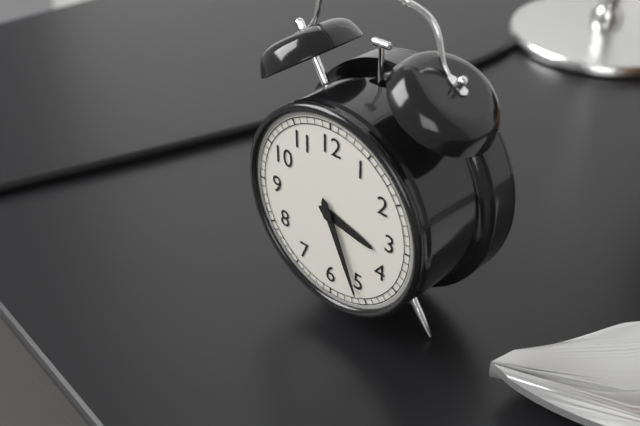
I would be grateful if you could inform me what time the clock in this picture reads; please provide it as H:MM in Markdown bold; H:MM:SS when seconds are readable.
**3:26**
